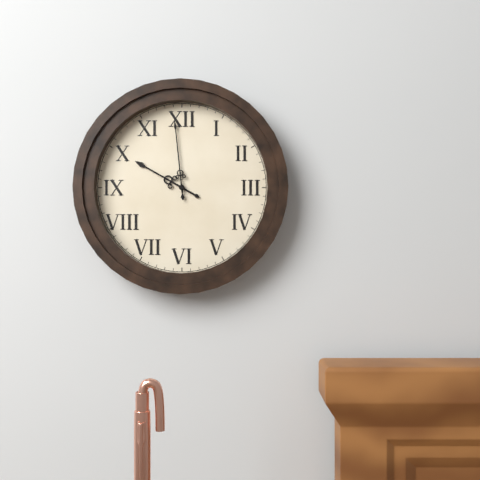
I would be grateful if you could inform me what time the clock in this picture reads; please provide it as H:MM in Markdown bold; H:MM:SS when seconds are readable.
**9:59**
